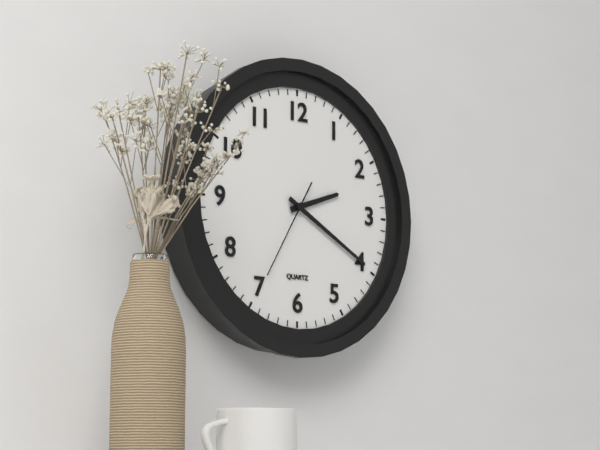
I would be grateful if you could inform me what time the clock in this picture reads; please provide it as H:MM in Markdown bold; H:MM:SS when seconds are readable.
**2:20:35**
